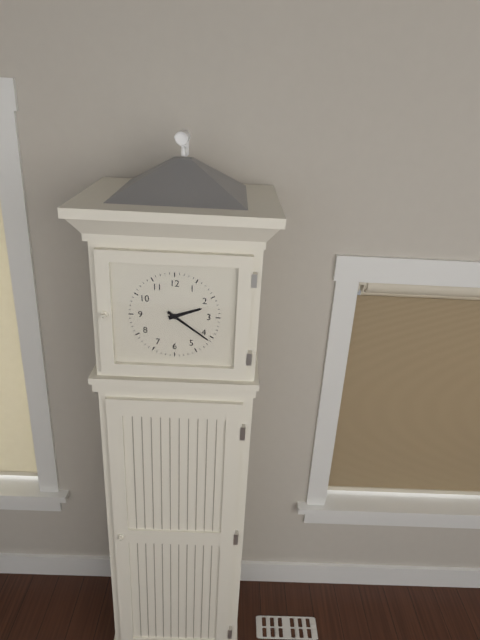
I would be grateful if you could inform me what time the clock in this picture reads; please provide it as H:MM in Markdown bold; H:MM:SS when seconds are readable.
**2:21**
